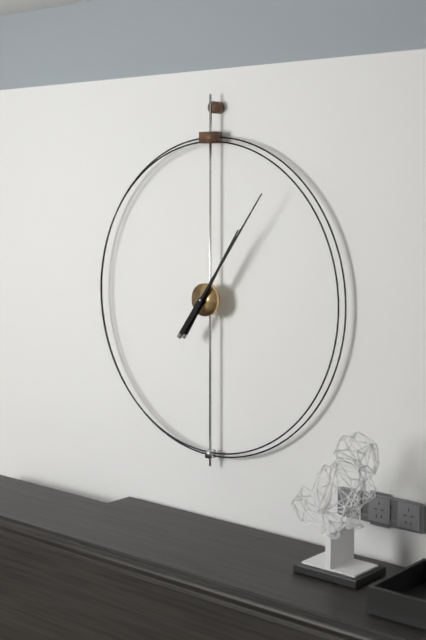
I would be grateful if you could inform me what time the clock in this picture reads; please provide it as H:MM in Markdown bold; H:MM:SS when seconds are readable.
**1:06**
